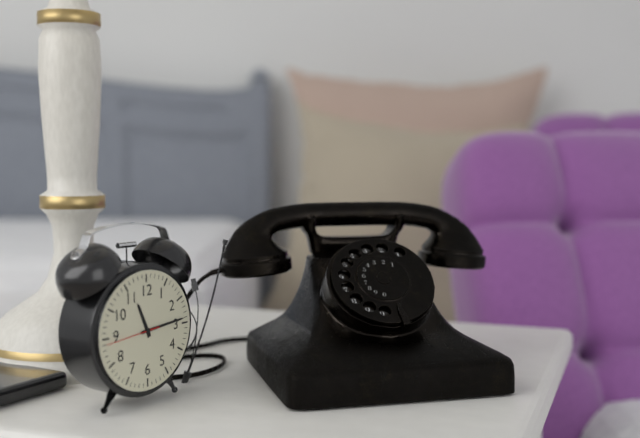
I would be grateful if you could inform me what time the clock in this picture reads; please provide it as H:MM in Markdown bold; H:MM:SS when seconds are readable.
**11:14:44**
